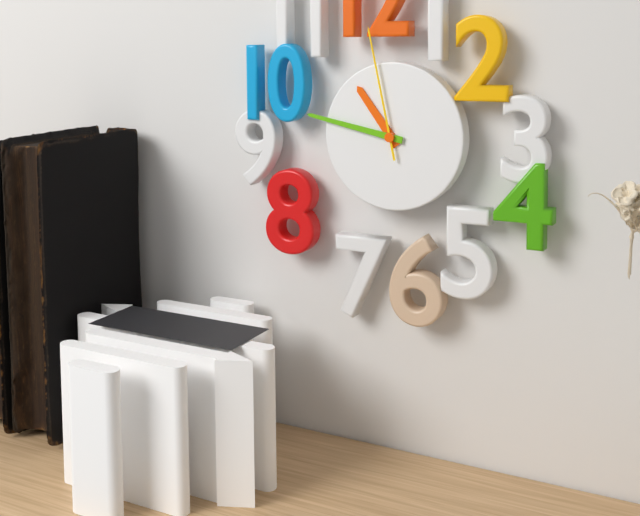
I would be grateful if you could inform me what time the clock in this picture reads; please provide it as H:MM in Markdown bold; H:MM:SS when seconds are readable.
**10:47:58**
